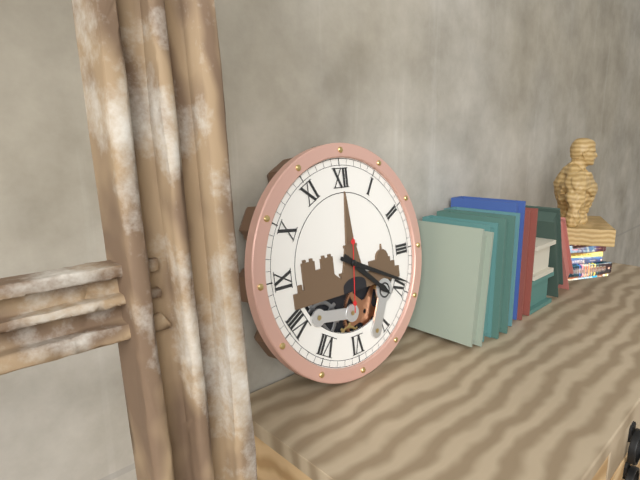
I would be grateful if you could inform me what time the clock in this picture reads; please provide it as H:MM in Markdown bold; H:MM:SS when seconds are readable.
**4:19:31**
